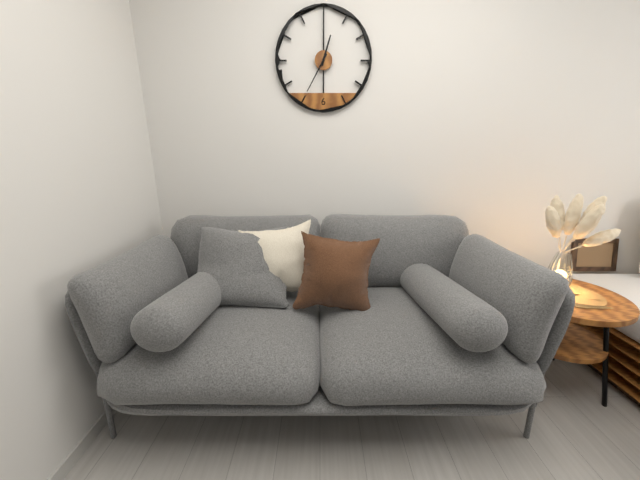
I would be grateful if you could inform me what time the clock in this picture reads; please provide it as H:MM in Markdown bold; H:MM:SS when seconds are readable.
**12:35**
